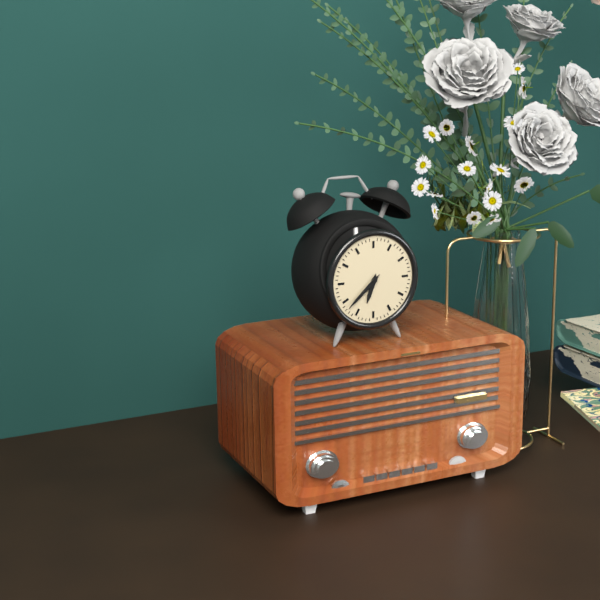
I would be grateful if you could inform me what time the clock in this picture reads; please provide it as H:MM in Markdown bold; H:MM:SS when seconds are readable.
**6:38**
